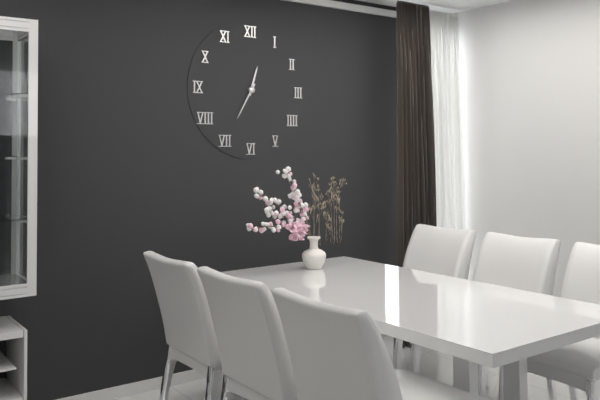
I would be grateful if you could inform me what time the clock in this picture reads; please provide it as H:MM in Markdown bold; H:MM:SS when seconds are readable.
**12:35**
